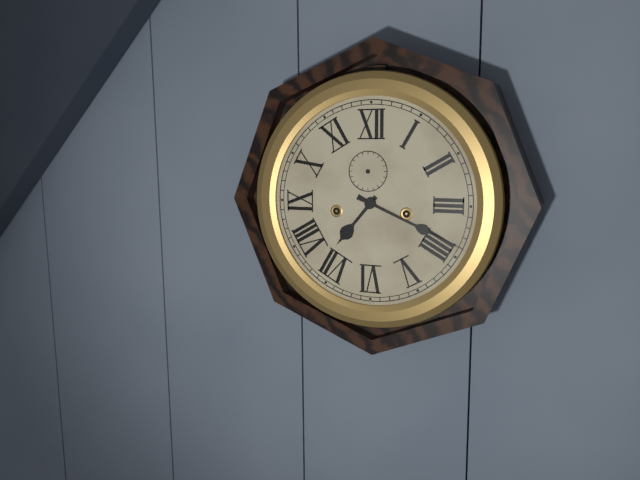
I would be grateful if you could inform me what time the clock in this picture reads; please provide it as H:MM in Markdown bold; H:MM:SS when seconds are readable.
**7:19**
